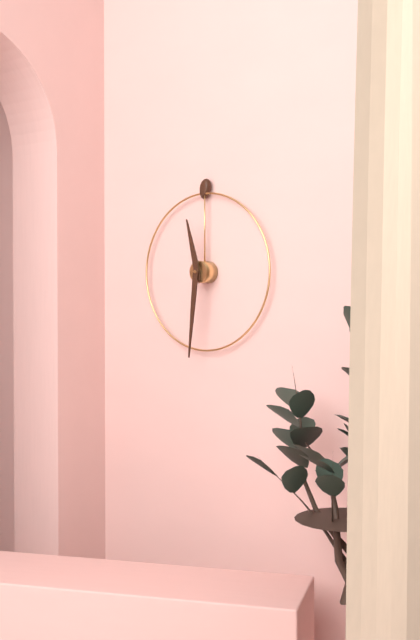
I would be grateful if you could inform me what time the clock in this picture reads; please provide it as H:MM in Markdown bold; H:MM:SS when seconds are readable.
**11:31**
